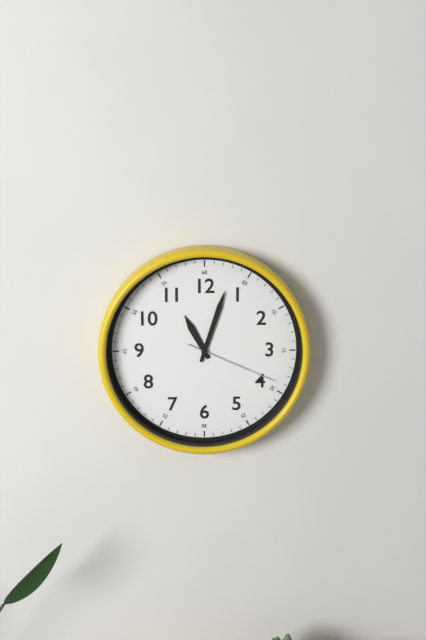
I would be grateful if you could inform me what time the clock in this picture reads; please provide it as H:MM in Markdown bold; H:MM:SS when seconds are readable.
**11:03:19**
